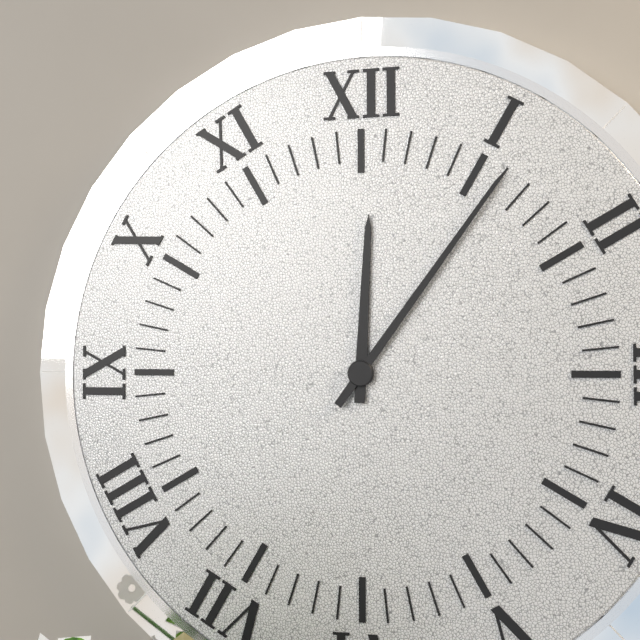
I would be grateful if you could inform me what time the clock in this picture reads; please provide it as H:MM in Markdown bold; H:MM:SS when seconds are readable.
**12:06**
